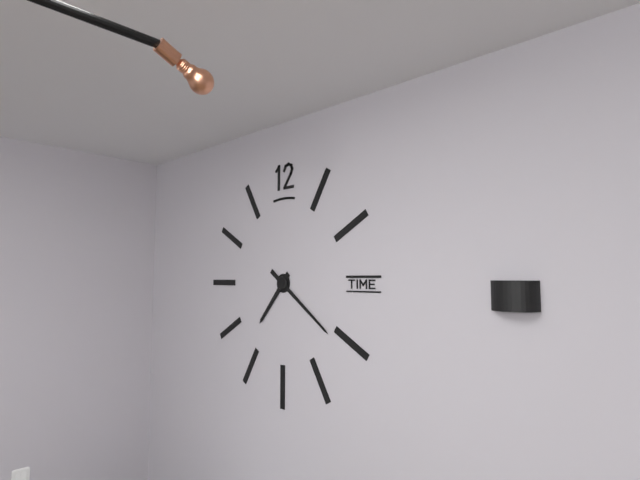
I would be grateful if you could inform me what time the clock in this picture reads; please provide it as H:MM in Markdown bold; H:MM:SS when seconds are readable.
**7:21**
